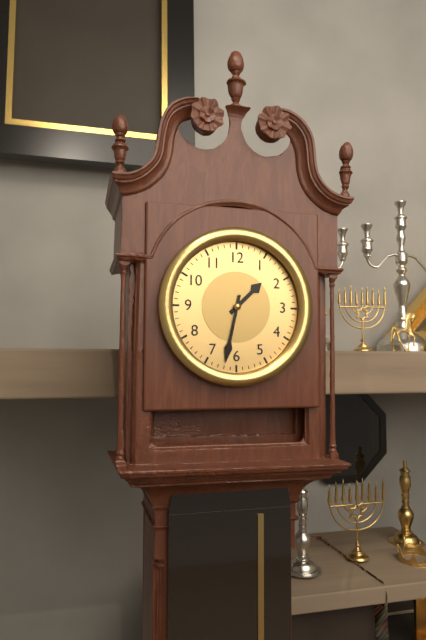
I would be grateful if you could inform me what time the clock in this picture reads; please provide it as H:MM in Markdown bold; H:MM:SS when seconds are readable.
**1:32**
